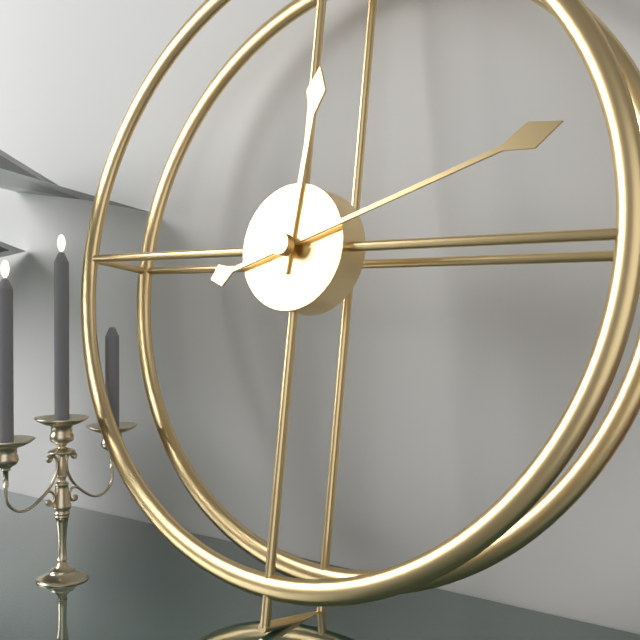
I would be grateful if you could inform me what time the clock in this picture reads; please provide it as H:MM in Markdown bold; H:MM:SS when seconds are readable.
**12:12**
